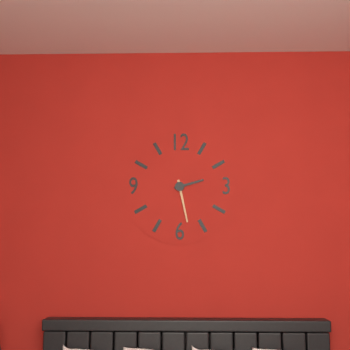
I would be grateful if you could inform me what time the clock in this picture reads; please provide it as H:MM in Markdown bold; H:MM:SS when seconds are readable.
**2:28**
